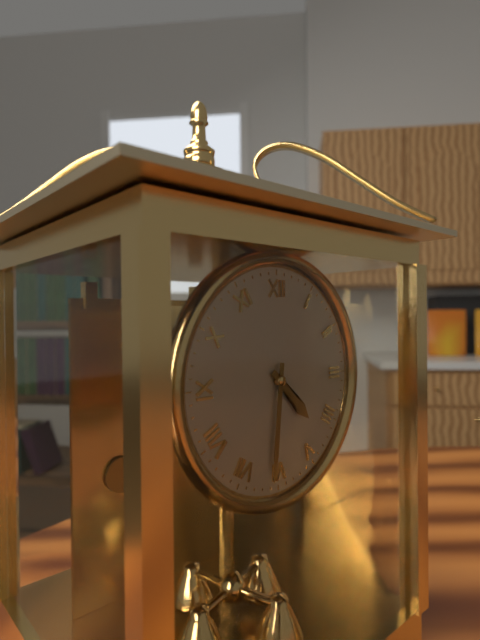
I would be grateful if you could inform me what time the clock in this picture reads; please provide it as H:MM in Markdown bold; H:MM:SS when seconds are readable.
**4:31**
